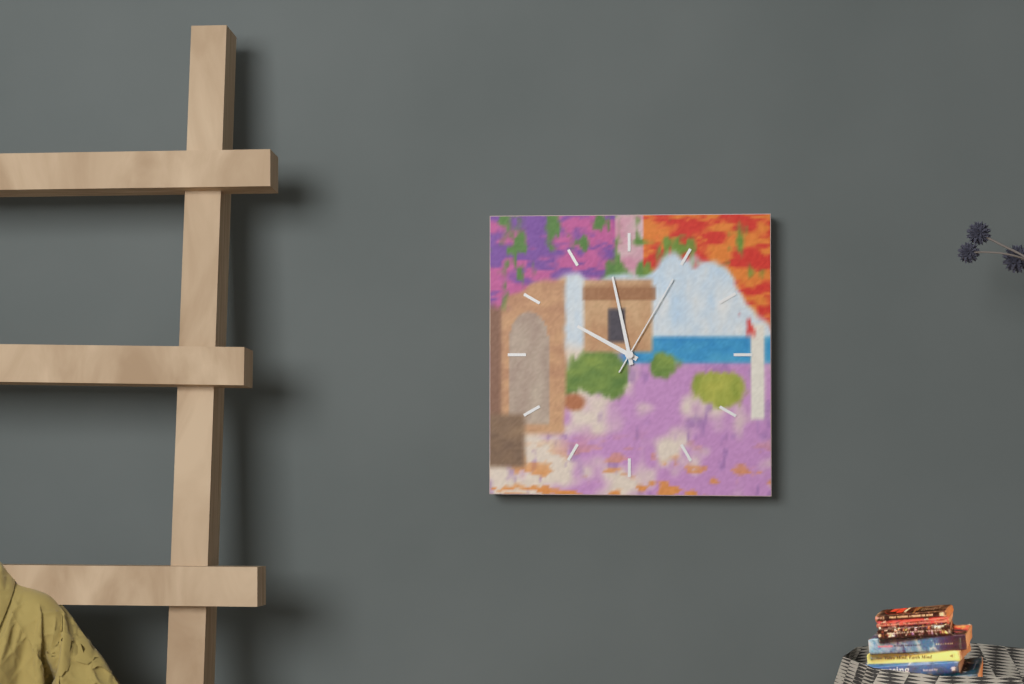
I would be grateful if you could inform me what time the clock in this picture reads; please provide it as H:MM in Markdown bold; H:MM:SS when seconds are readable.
**9:58:05**
